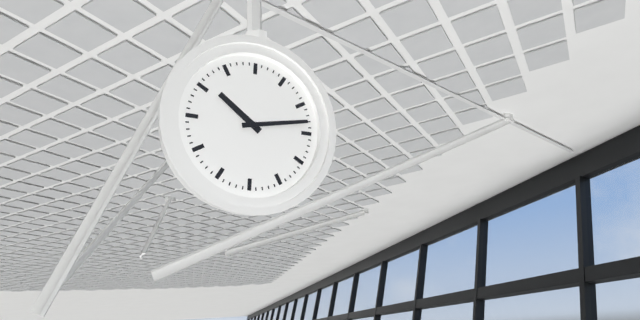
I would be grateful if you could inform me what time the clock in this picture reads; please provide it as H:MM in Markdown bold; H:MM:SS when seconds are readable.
**10:13**
